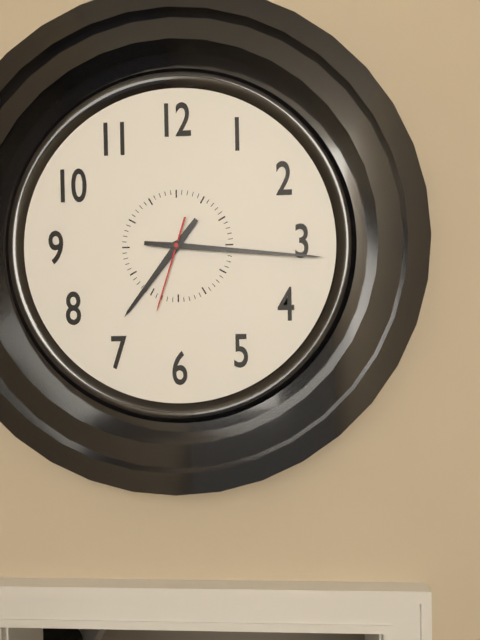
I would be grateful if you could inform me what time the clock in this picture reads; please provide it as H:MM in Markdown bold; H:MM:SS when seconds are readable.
**7:16:33**
